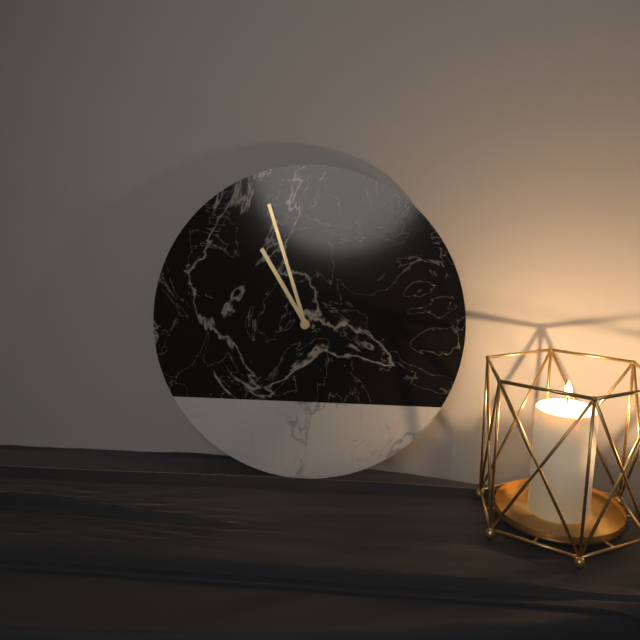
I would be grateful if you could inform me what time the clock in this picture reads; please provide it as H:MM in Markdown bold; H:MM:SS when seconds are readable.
**10:57**
